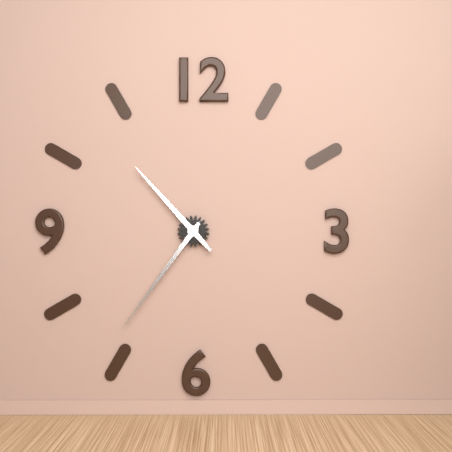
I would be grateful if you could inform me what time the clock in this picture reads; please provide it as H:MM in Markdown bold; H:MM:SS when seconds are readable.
**10:36**
